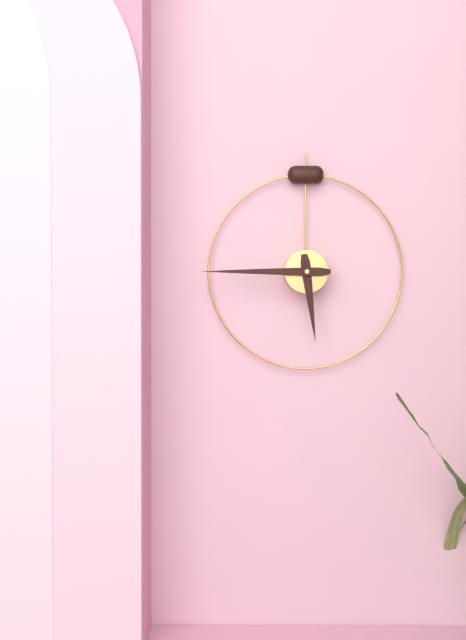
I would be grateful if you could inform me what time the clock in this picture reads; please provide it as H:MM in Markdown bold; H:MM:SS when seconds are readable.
**5:45**
